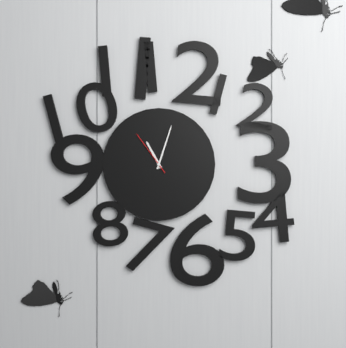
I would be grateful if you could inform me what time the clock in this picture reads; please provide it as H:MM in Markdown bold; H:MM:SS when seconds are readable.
**11:03**
